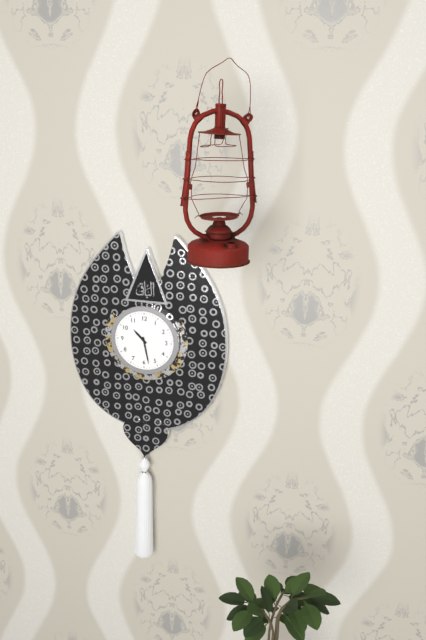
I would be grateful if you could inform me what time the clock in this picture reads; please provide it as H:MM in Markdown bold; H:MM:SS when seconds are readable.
**10:28**
